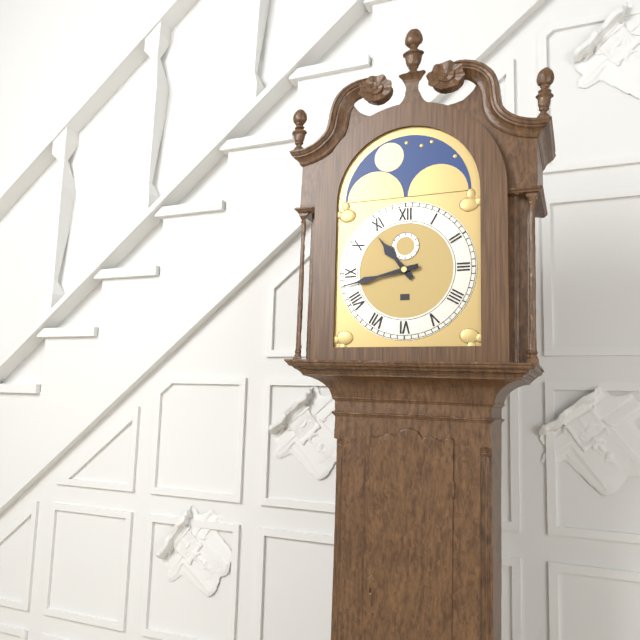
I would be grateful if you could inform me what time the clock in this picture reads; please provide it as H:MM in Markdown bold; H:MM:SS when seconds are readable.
**10:43**
